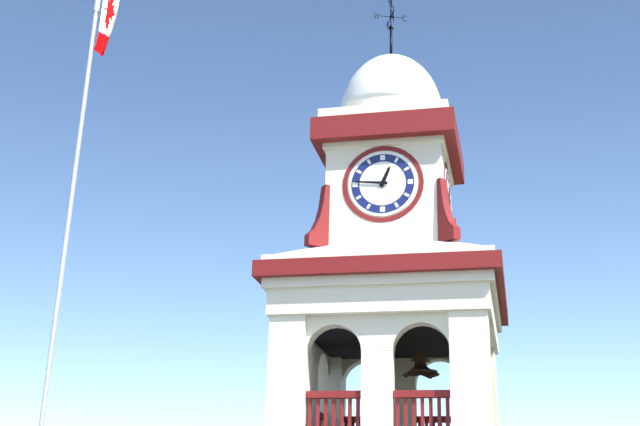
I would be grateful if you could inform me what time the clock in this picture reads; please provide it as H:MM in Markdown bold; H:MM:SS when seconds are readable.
**12:46**
